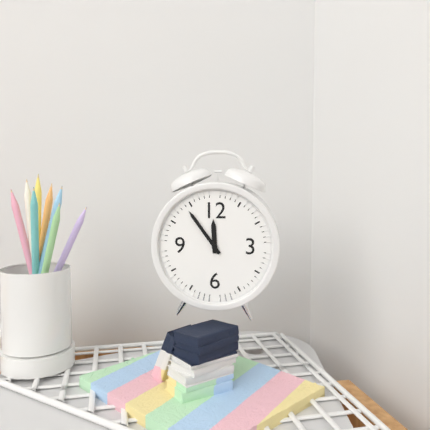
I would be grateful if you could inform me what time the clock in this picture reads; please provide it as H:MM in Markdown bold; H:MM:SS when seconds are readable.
**11:54**
